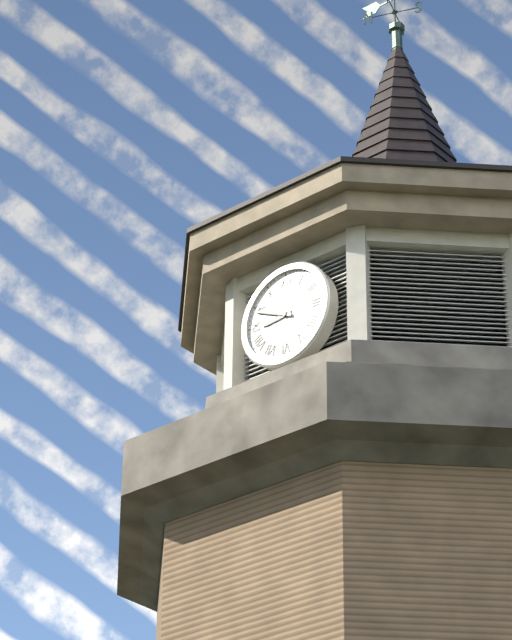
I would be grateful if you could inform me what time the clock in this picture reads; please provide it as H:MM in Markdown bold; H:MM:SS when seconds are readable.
**8:49**
